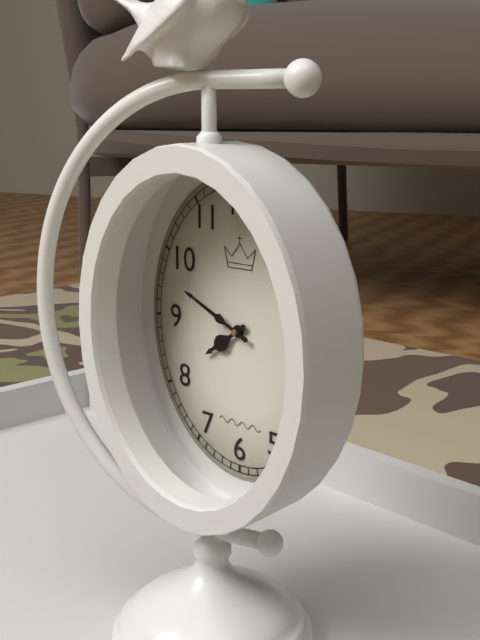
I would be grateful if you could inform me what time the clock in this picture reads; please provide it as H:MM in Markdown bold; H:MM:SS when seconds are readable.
**7:49**
